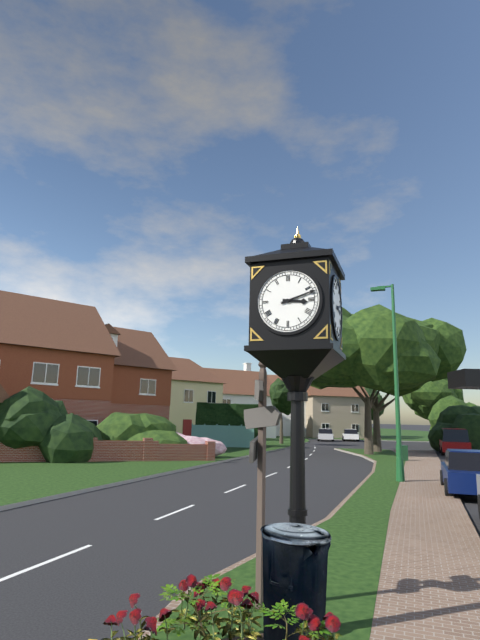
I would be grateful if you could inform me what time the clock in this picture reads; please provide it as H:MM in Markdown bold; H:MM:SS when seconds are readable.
**3:12**
